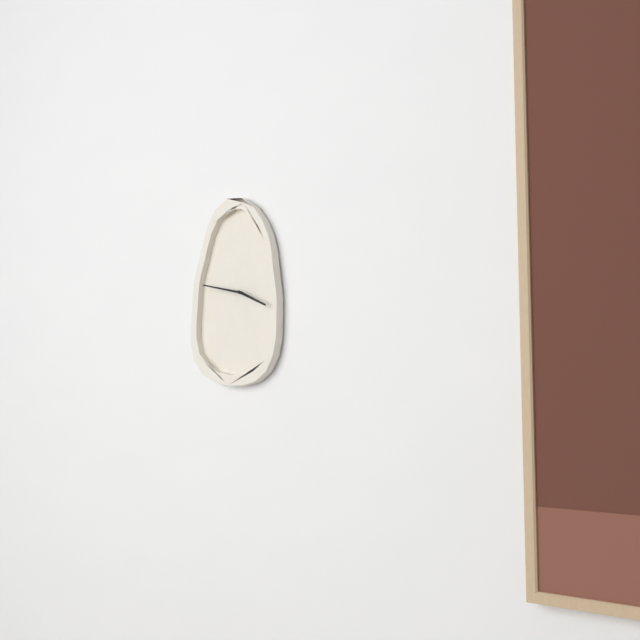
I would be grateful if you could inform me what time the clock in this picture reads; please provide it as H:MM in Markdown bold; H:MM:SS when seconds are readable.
**3:47**
